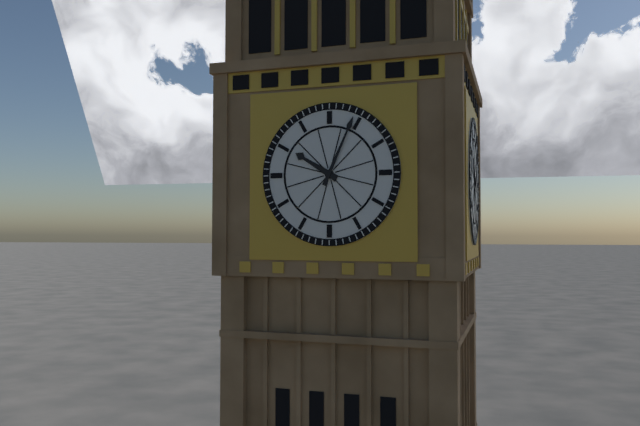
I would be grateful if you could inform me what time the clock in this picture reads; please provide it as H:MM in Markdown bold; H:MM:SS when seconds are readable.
**10:04**
